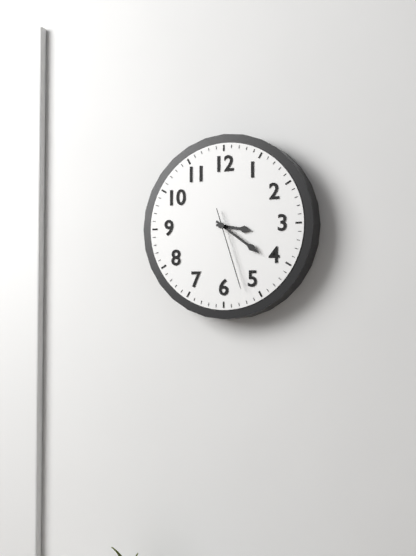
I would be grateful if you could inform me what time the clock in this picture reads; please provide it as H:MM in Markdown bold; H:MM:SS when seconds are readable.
**3:21:27**
